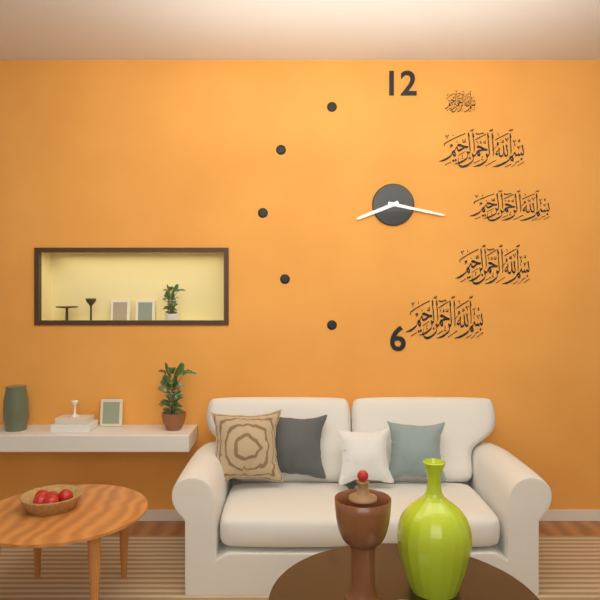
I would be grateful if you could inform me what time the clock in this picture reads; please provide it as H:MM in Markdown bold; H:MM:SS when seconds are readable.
**8:17**
